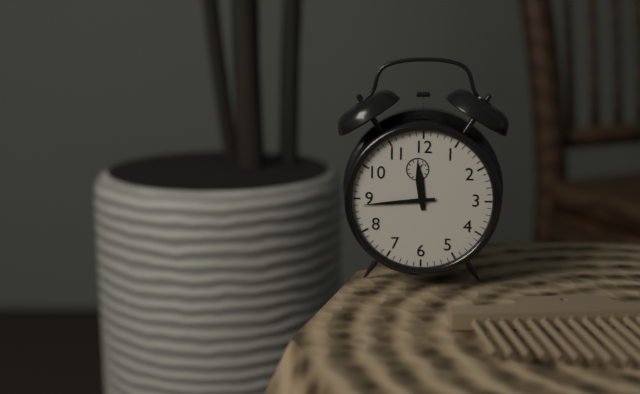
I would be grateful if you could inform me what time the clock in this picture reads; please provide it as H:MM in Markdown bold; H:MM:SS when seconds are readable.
**11:44**
